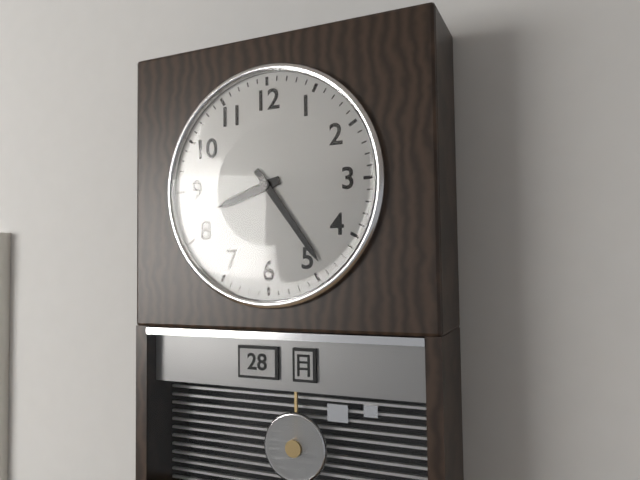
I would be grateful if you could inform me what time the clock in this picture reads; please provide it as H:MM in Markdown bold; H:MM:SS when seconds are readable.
**8:24**
